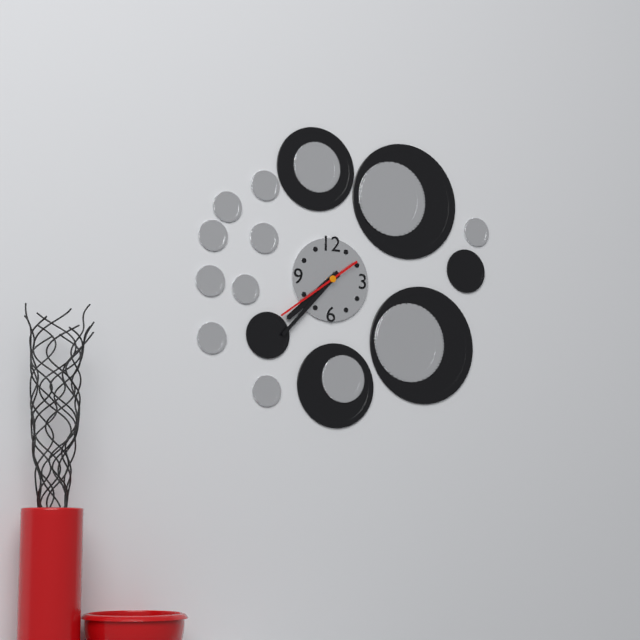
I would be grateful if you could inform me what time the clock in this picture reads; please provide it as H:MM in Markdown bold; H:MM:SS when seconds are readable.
**7:37:39**
